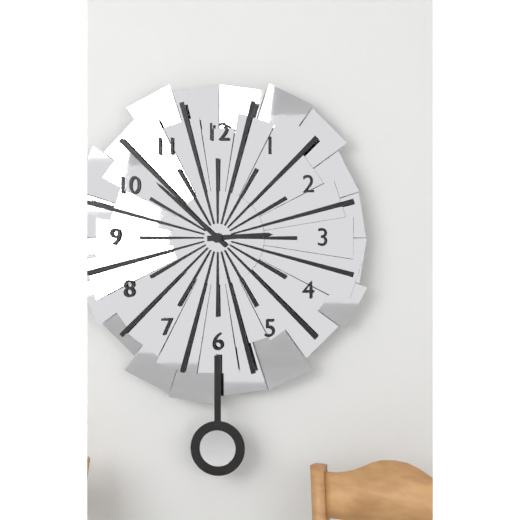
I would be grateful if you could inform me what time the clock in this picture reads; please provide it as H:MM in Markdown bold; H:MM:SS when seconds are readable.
**2:52**
